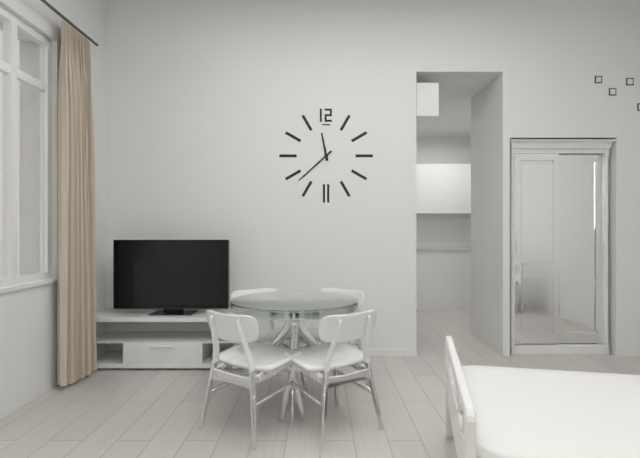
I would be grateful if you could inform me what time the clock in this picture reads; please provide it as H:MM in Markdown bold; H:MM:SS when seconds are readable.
**11:38**
